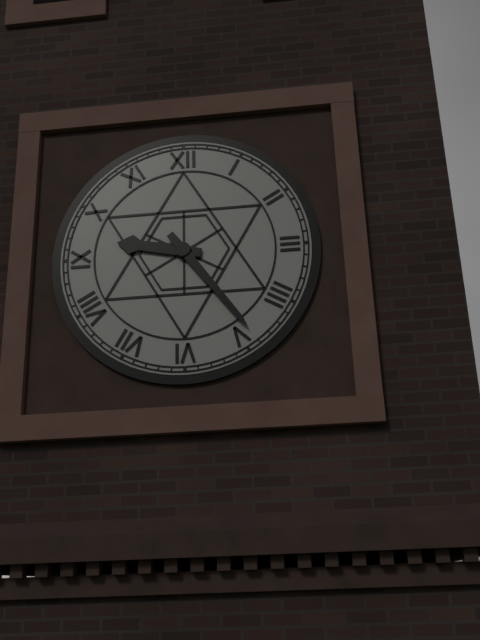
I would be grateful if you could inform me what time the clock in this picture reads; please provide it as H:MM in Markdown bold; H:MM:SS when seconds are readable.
**9:24**
